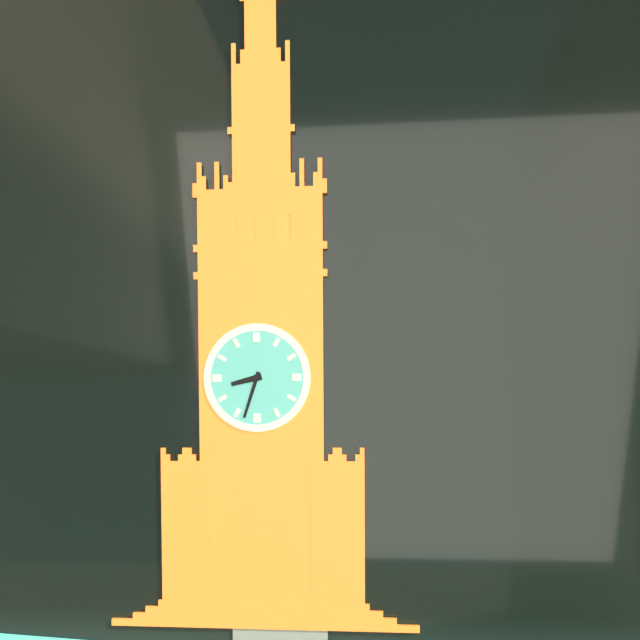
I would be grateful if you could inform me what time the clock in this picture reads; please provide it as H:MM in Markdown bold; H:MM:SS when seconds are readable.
**8:33**
